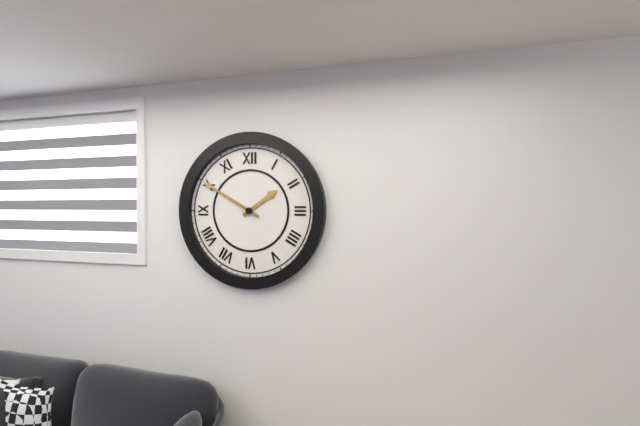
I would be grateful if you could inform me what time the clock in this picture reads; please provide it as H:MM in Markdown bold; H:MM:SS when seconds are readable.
**1:50**
